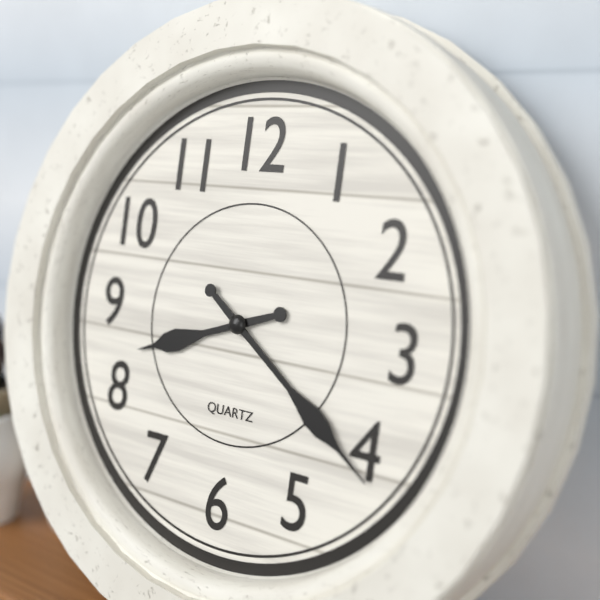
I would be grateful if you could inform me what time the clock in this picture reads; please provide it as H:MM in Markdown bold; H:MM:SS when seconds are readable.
**8:21**
